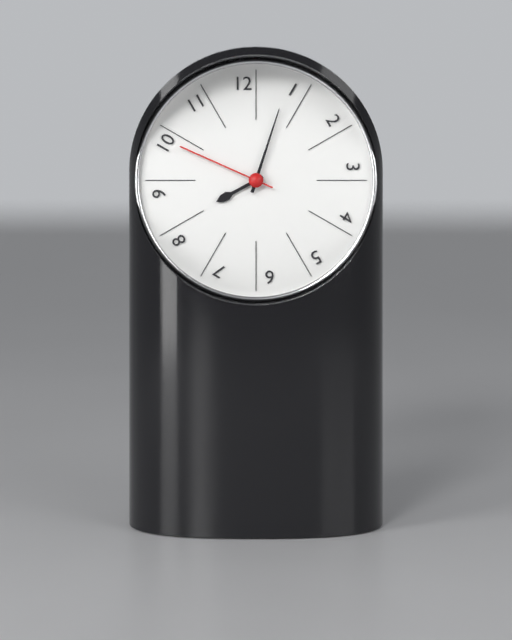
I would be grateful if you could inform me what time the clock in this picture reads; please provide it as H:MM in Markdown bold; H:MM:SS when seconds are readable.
**8:03:49**
